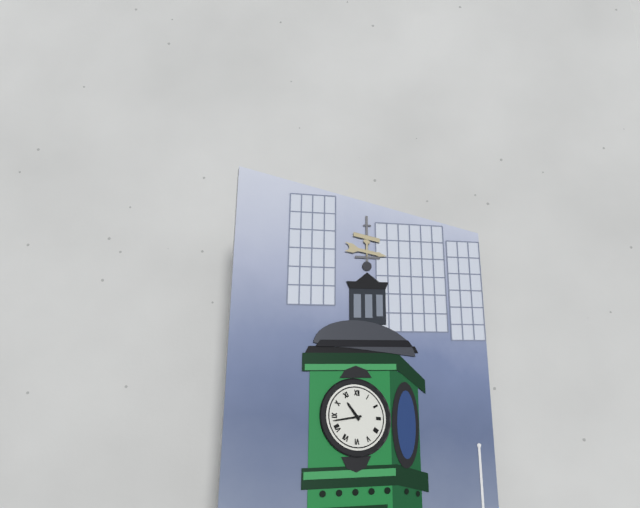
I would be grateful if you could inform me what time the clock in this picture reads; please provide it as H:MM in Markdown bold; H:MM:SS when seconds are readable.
**10:43**
